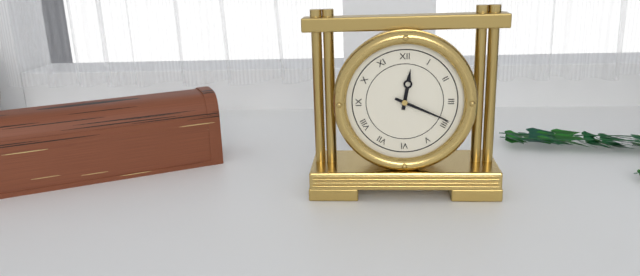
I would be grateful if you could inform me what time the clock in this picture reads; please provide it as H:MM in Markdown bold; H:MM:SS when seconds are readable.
**12:19**
